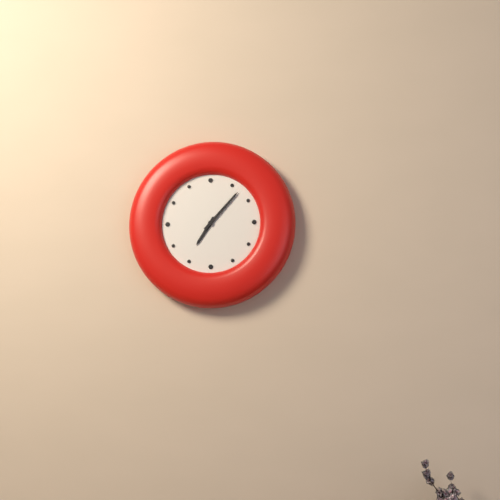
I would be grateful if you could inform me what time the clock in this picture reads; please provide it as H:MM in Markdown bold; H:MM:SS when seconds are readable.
**7:07**
